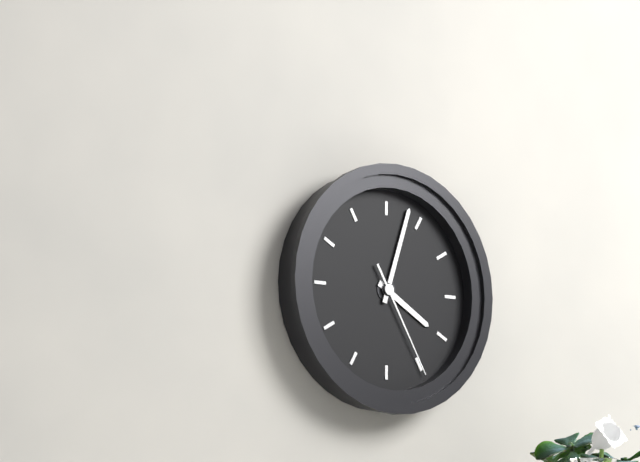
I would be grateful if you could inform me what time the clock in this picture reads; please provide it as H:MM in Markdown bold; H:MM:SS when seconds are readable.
**4:03:25**
